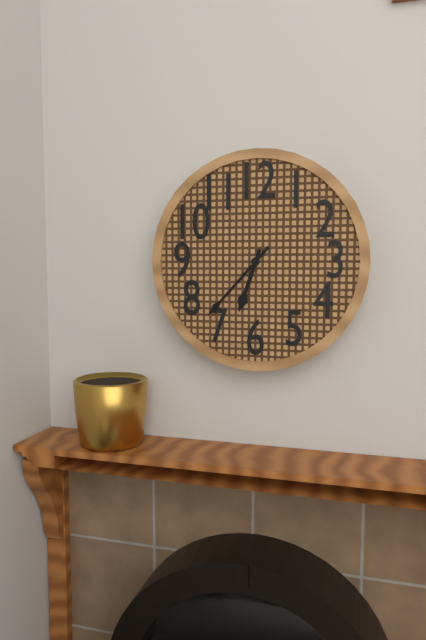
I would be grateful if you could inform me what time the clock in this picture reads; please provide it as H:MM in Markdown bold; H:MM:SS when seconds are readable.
**6:37**
